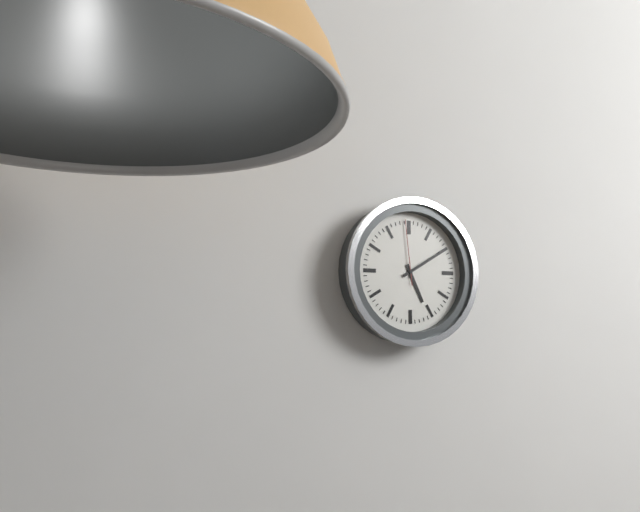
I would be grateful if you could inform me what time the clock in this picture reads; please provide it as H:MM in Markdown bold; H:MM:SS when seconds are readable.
**5:10:59**
